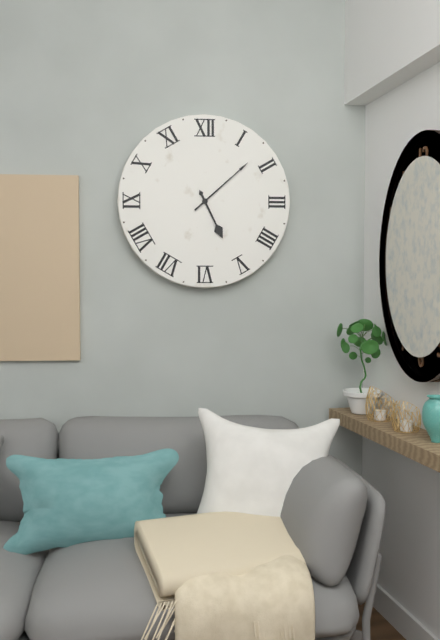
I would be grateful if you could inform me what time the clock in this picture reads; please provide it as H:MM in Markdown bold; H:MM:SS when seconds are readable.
**5:08**
